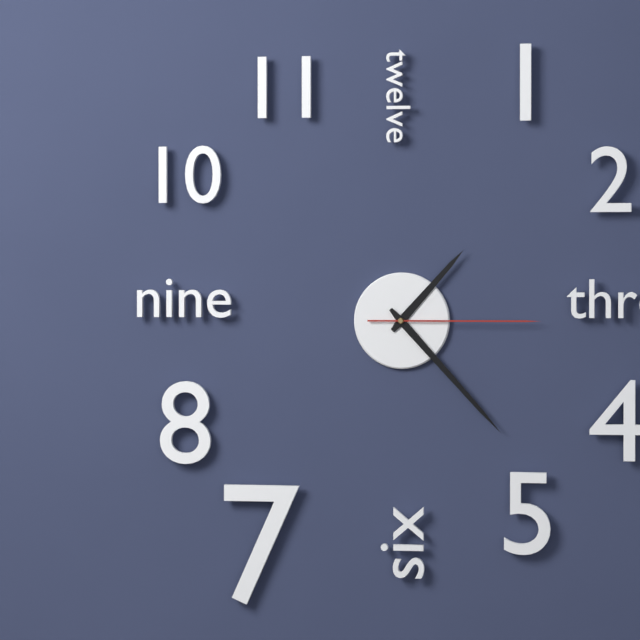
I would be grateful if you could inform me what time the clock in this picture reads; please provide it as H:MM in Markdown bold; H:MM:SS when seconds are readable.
**1:23:15**
